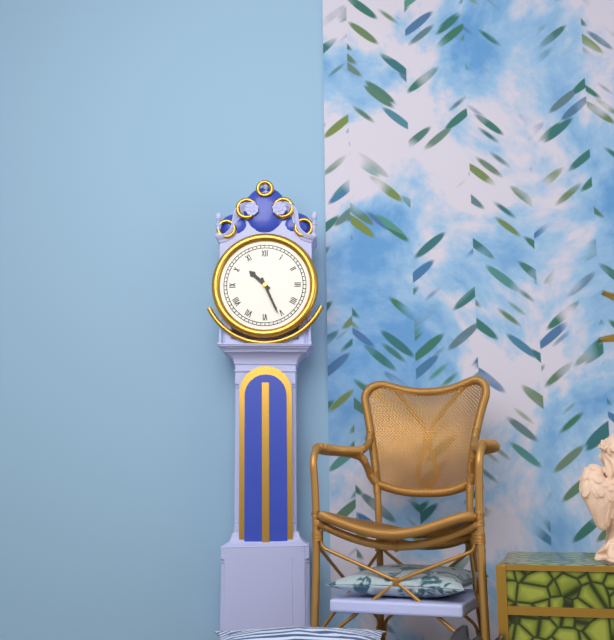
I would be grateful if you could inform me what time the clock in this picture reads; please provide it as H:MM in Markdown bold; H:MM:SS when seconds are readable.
**10:26**
